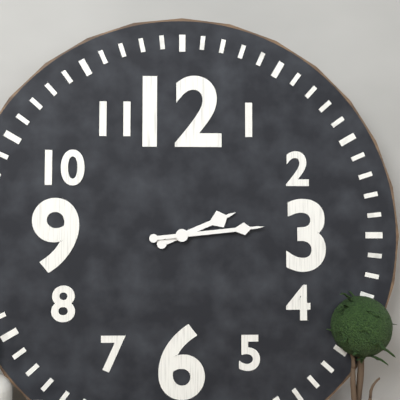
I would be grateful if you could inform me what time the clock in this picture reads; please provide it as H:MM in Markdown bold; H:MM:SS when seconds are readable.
**2:14**
